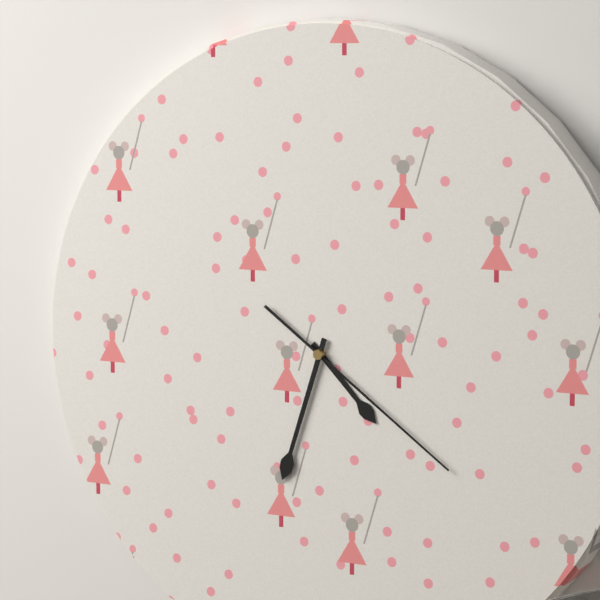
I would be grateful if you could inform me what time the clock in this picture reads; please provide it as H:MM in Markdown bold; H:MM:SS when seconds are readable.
**4:33:21**
